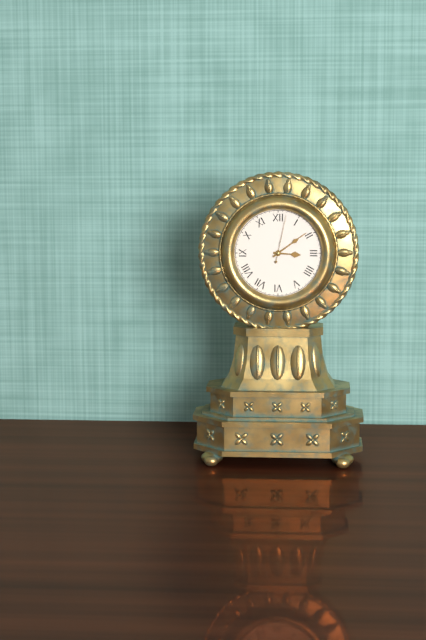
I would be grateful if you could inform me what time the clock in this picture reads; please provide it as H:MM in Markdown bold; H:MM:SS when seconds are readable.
**3:09**
